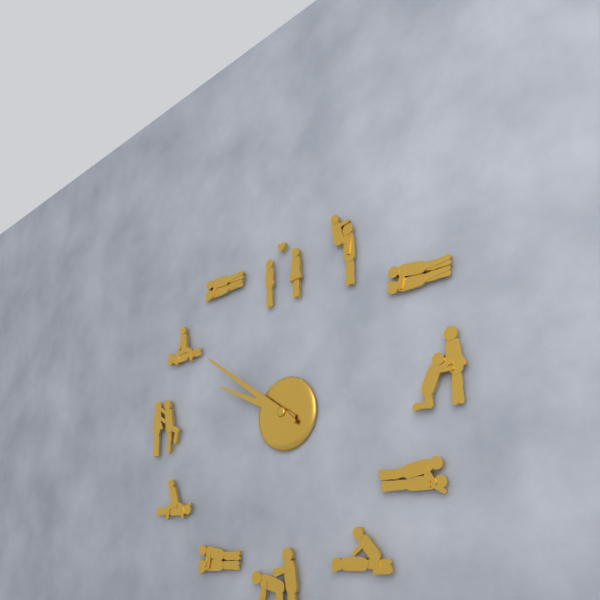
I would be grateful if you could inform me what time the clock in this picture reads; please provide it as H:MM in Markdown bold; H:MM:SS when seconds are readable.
**9:51**
